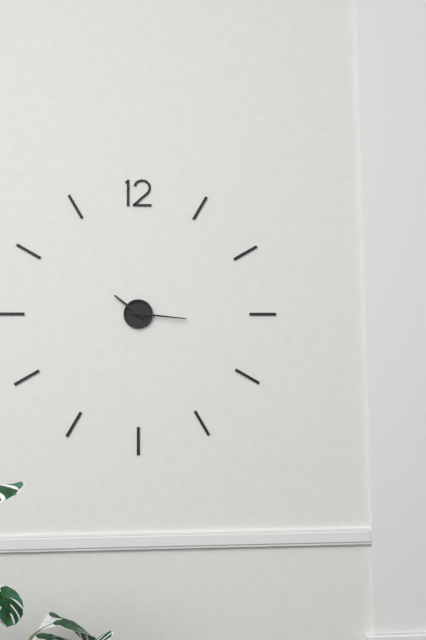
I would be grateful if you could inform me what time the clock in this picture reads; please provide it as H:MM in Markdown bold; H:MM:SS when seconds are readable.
**10:16**
